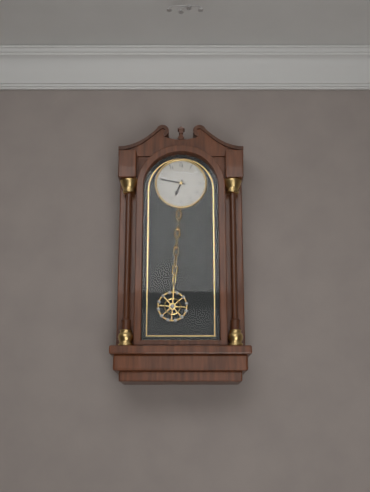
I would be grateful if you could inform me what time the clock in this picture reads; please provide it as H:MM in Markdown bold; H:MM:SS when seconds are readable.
**6:47**
